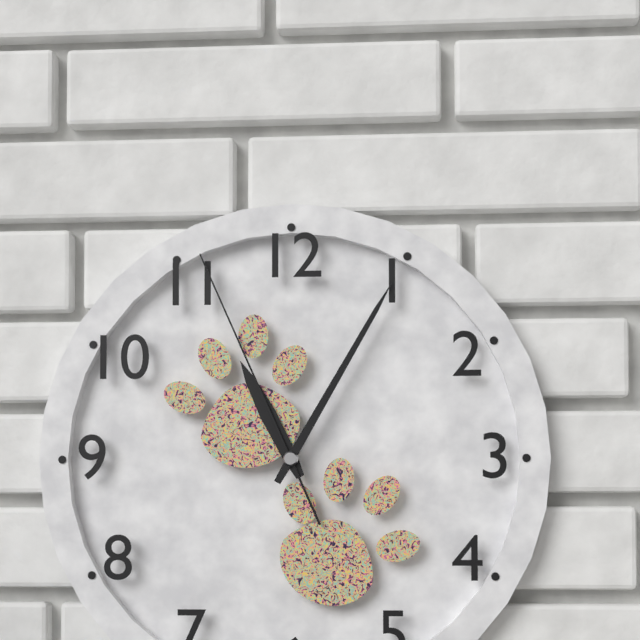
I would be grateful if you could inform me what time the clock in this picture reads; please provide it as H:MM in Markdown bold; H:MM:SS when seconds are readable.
**11:05:56**
